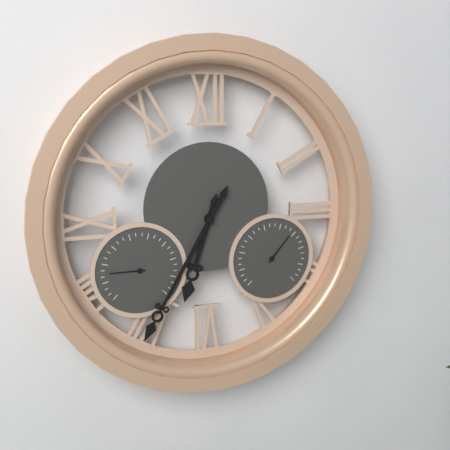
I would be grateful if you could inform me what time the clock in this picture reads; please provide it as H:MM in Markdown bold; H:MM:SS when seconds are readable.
**6:35**
